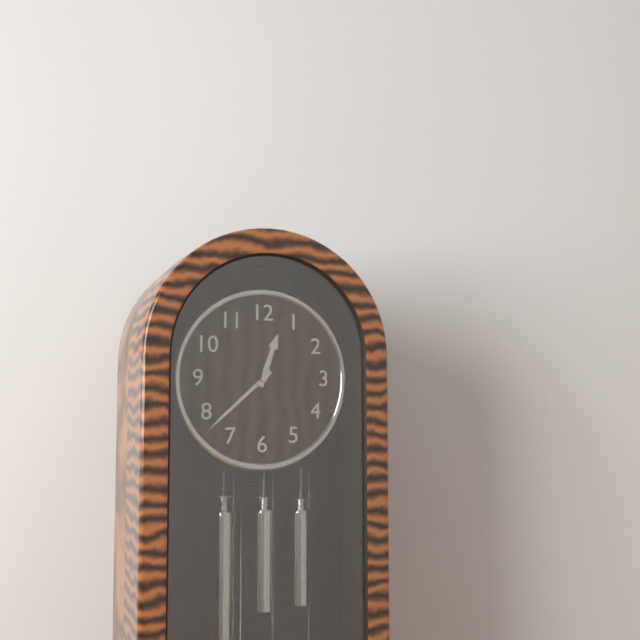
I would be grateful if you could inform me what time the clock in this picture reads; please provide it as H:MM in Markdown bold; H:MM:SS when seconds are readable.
**12:38**
